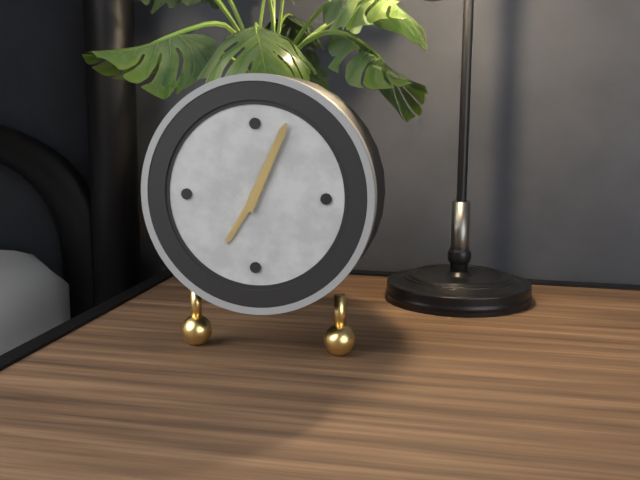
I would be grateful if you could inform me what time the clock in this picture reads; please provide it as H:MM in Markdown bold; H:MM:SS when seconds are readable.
**7:04**
